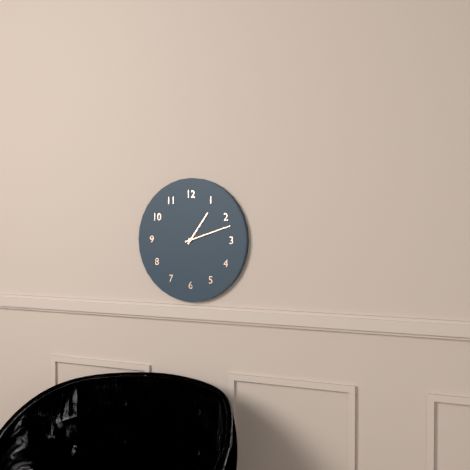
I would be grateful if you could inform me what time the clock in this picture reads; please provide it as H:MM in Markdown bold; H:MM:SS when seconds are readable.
**1:12**
